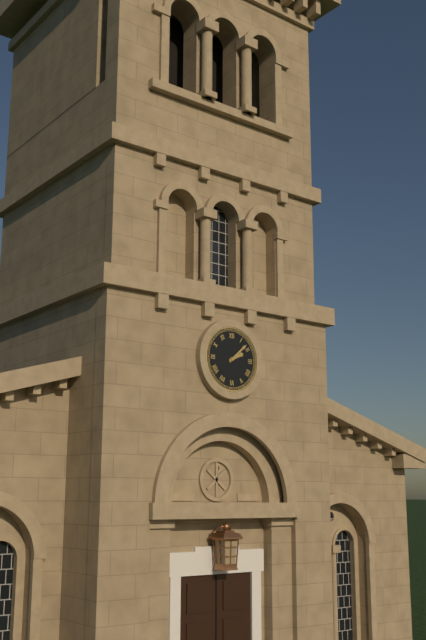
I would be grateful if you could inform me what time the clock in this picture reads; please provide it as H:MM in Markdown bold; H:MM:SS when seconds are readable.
**2:08**
